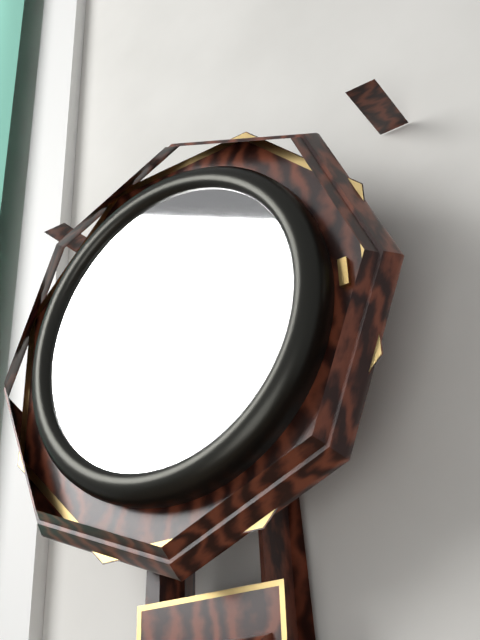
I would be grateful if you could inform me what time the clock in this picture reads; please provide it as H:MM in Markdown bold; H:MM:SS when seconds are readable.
**1:38**
